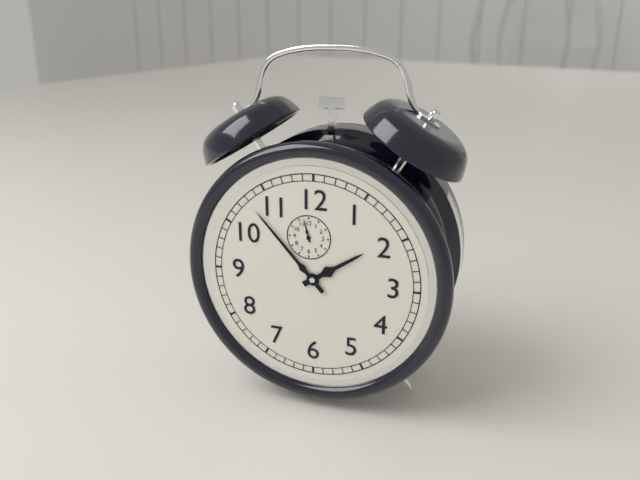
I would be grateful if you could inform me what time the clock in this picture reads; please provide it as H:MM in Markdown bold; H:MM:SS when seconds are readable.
**1:53**
